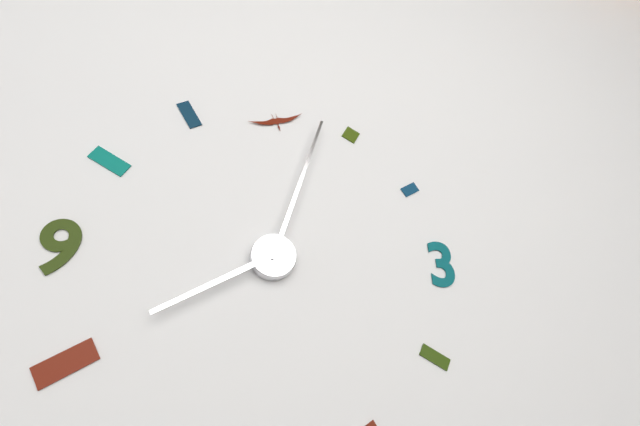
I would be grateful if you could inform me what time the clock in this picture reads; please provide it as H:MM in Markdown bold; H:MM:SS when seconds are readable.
**8:03**
